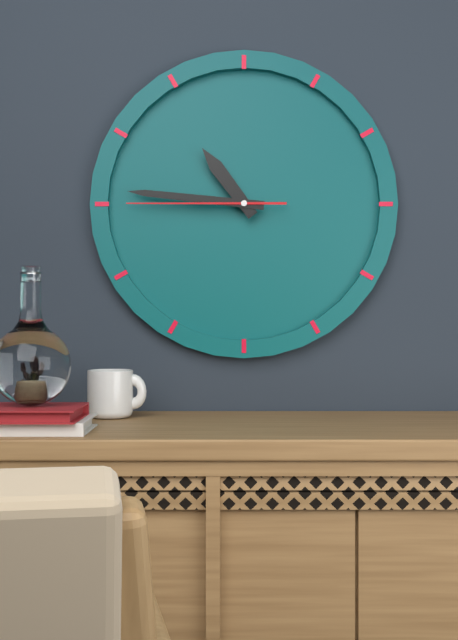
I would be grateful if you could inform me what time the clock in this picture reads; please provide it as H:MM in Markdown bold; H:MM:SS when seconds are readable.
**10:46:45**
